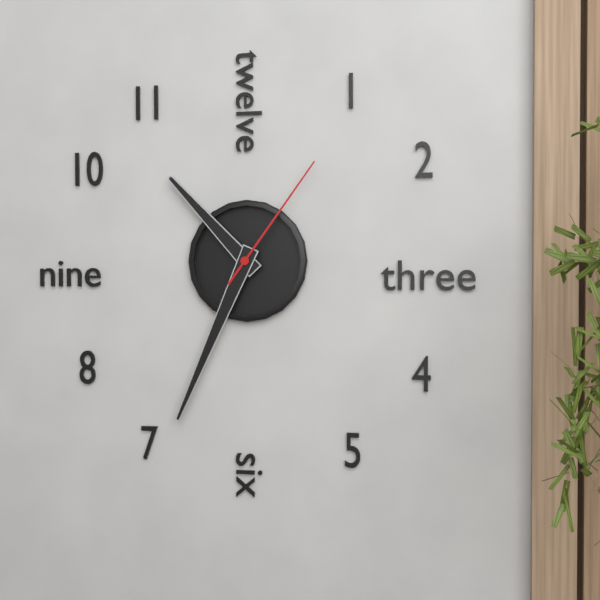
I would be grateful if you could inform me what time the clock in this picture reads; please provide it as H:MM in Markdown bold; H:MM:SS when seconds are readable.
**10:34:06**
